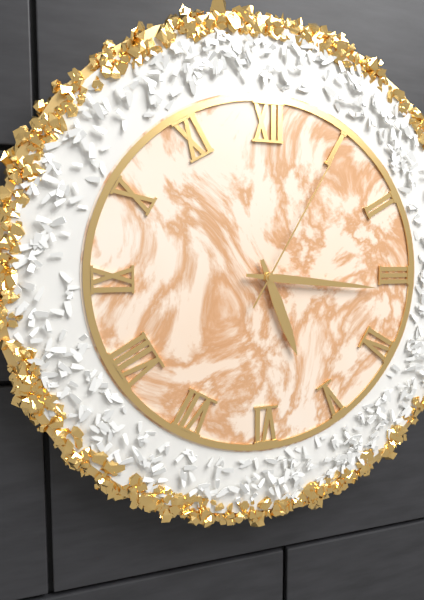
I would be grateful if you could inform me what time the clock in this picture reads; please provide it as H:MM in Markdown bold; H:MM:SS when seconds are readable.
**5:16:05**
